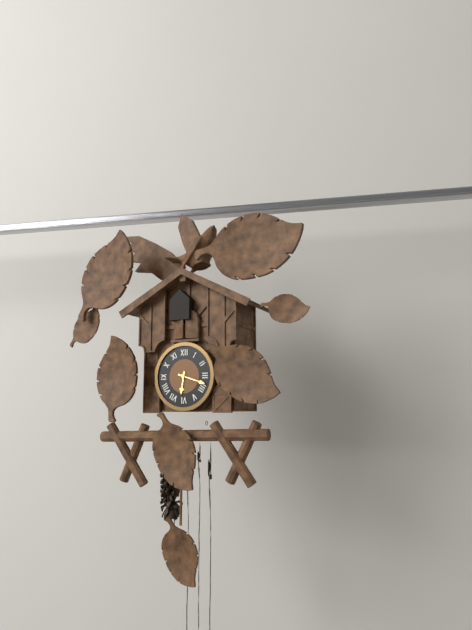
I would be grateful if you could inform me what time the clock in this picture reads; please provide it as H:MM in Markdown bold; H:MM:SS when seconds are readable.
**6:18**
